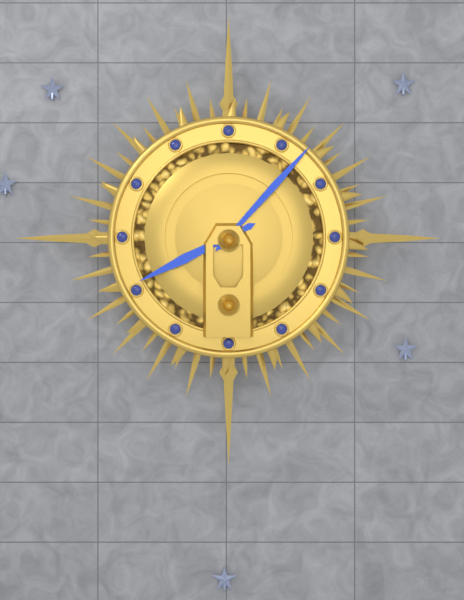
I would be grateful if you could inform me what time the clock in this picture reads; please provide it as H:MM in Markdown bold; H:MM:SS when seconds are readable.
**8:07**
